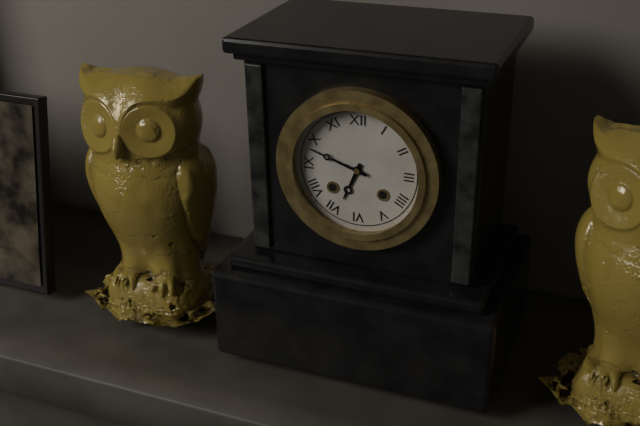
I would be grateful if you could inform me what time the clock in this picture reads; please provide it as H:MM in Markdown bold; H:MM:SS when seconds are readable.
**6:48**
